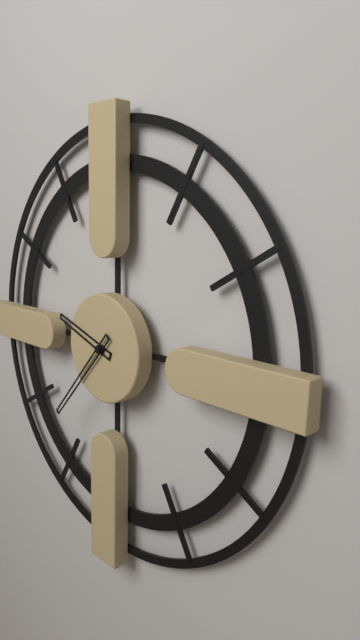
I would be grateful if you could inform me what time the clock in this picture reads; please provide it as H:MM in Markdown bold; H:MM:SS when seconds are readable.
**9:37**
